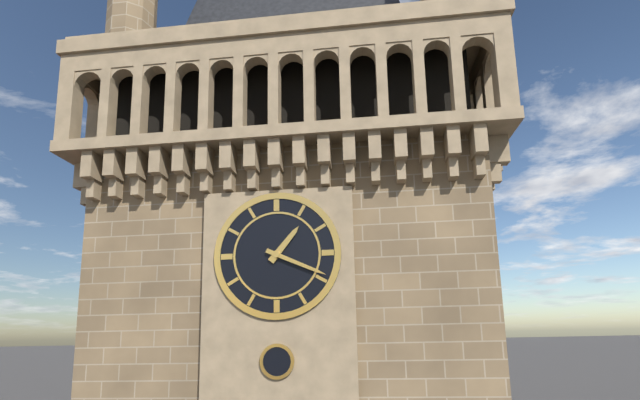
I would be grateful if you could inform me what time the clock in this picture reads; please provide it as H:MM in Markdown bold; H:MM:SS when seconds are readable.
**1:19**
